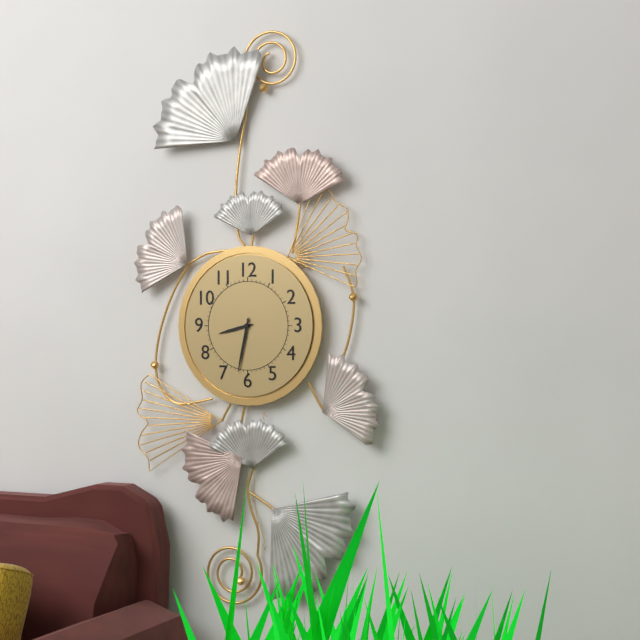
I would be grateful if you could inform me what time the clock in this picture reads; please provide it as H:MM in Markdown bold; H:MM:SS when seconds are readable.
**8:32**
